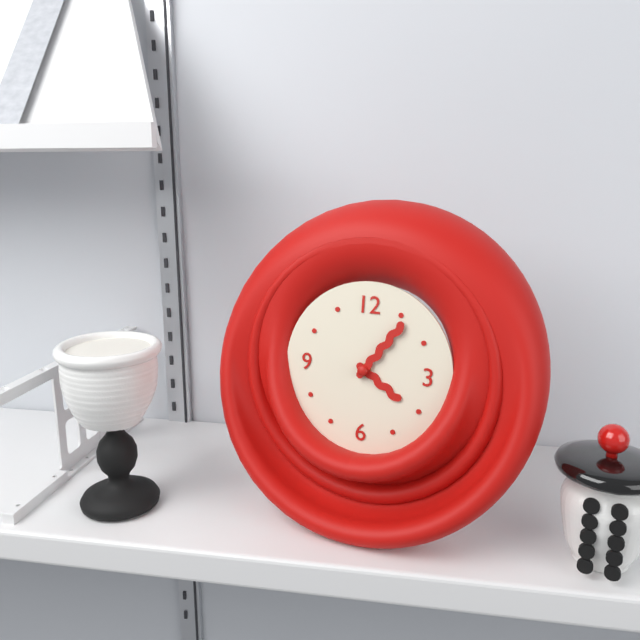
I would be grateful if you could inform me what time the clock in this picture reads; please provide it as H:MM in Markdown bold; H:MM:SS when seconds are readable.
**4:06**
